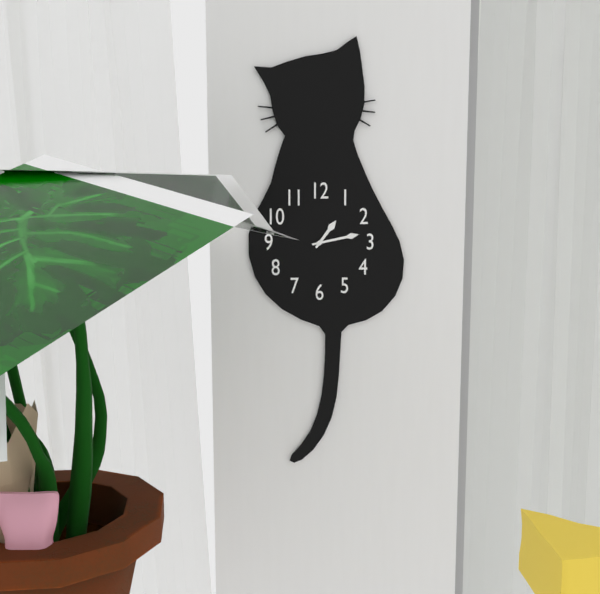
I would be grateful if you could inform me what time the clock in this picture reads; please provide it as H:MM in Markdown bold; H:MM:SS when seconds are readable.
**1:13**
